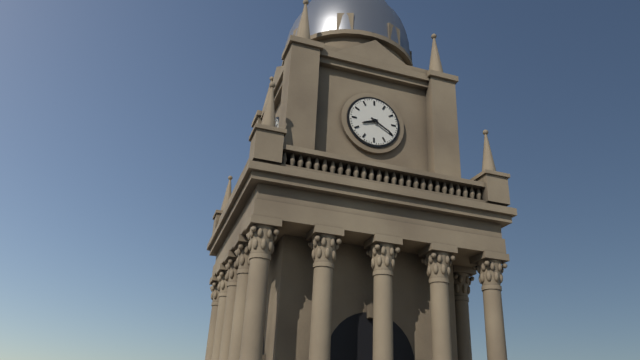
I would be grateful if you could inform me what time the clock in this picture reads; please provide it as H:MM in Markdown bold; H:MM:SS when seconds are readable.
**8:20**
